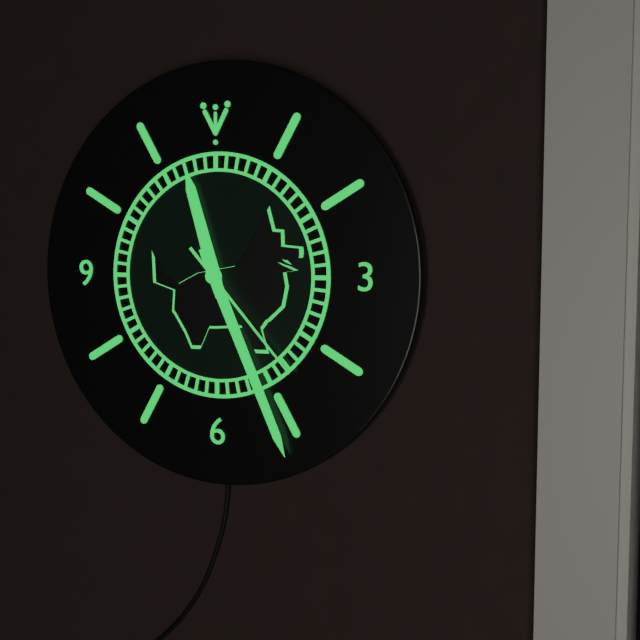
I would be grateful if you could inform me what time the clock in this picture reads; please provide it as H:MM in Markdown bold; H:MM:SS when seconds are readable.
**11:26:23**
